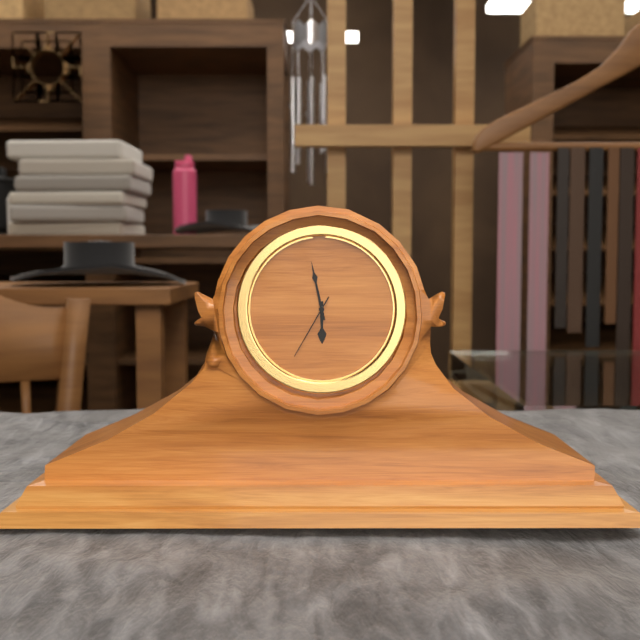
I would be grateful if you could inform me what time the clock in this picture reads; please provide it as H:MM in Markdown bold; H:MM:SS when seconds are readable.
**5:58:35**
